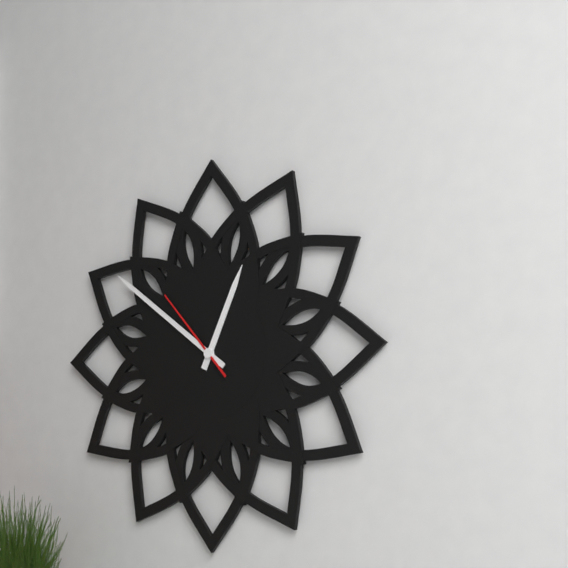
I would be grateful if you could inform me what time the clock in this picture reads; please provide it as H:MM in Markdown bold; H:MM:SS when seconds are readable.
**12:51:53**
